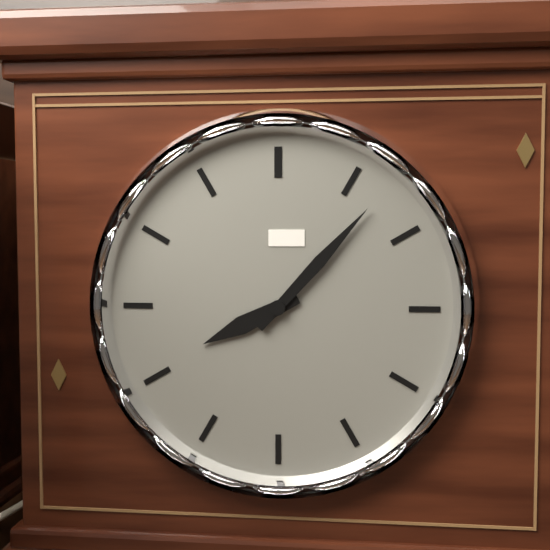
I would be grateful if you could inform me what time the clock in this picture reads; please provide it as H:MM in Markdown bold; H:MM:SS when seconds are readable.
**8:07**
